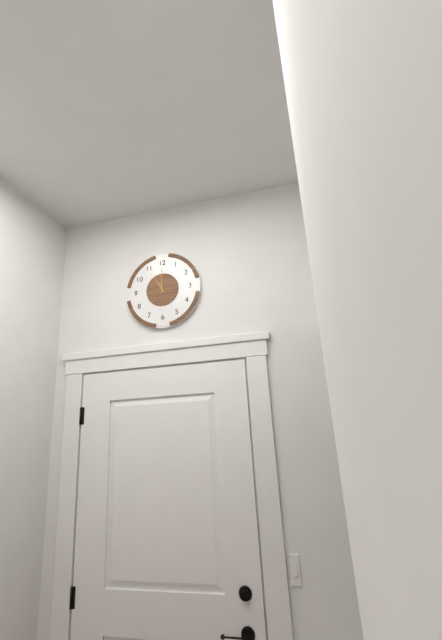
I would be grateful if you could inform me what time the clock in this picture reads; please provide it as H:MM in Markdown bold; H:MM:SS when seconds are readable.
**11:00**
